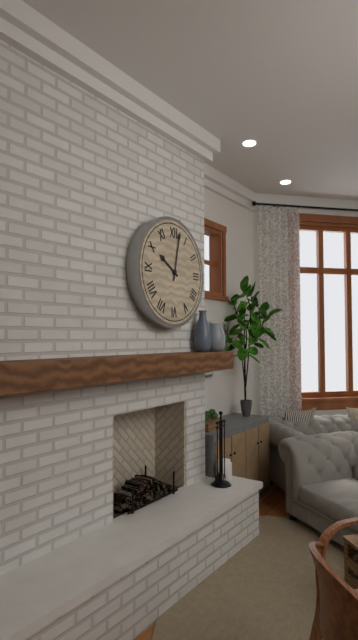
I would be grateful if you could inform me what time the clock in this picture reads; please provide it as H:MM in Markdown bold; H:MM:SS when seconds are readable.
**10:02**
